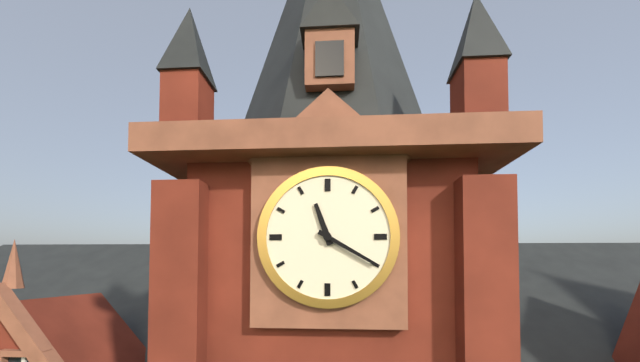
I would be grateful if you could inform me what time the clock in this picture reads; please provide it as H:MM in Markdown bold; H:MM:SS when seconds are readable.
**11:20**
